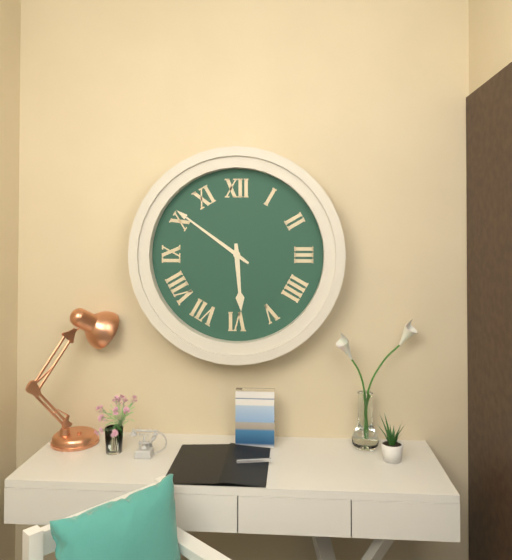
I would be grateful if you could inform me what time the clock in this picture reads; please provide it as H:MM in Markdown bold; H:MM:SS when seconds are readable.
**5:51**
